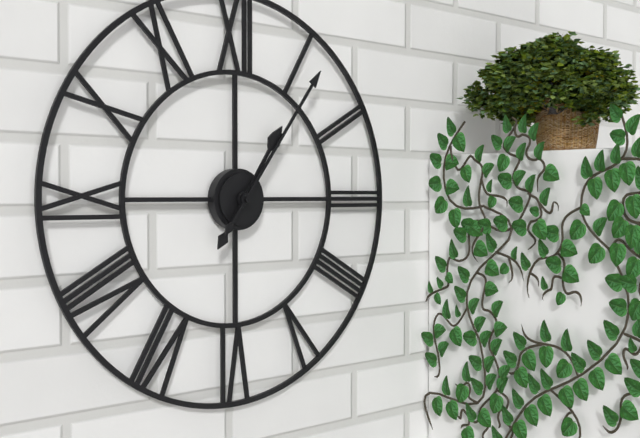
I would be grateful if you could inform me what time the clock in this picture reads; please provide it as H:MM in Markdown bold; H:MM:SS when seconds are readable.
**1:06**
